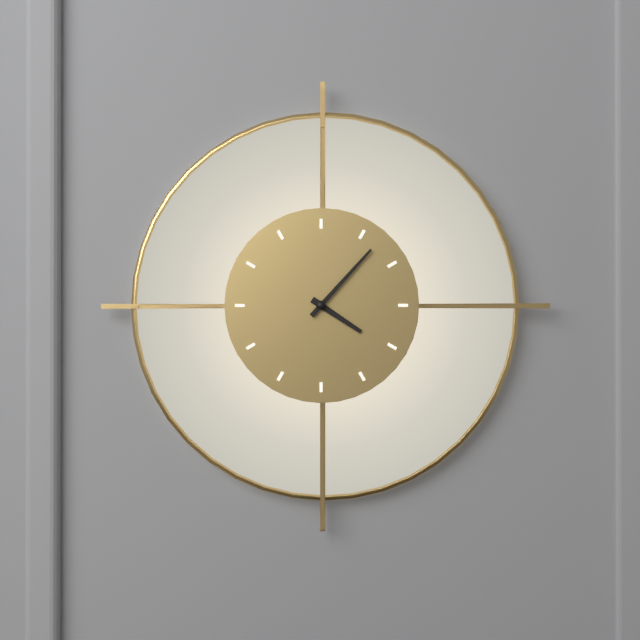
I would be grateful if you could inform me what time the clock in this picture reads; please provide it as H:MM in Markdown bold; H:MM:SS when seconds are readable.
**4:07**
